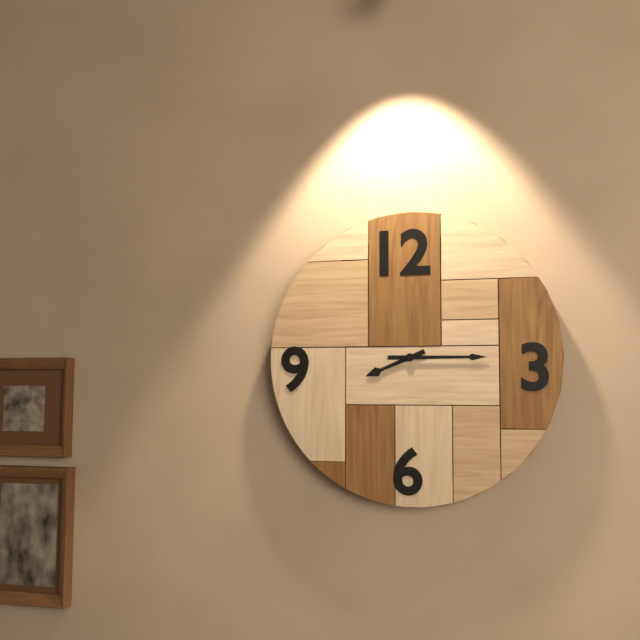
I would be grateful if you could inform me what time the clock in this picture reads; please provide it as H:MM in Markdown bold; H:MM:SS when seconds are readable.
**8:15**
